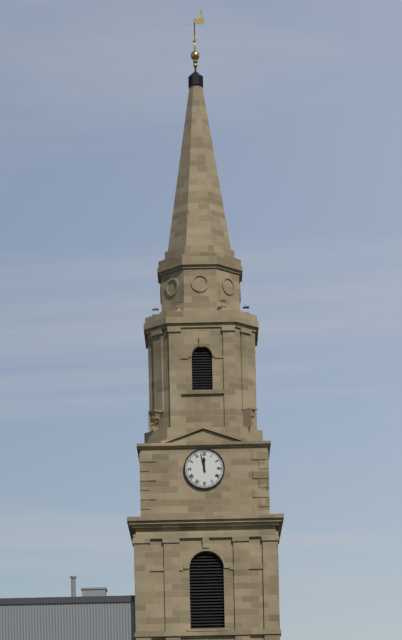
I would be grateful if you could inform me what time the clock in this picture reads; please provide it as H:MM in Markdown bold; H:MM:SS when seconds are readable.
**11:58**
